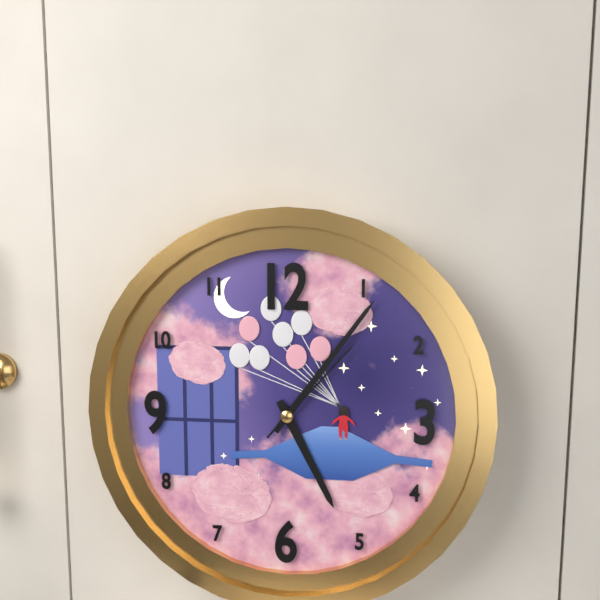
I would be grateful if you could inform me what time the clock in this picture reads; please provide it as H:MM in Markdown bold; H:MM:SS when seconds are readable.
**5:06:07**
